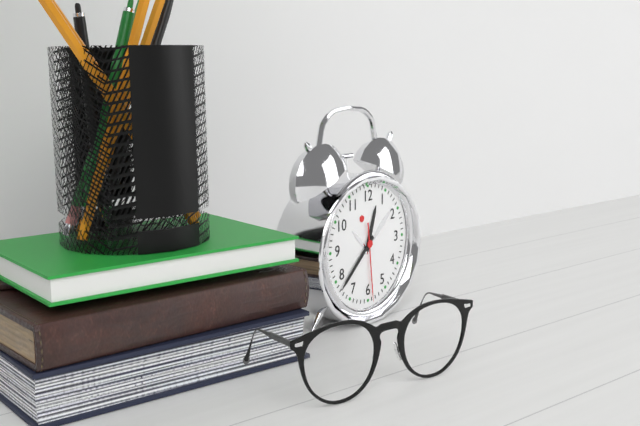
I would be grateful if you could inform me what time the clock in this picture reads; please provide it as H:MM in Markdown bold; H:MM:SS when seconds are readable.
**12:38:29**
